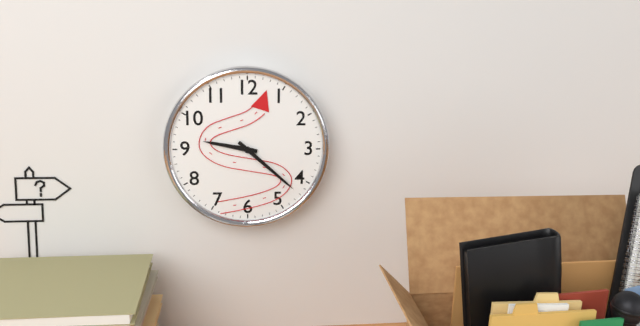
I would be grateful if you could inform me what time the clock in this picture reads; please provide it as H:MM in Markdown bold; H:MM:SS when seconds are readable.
**9:22**
